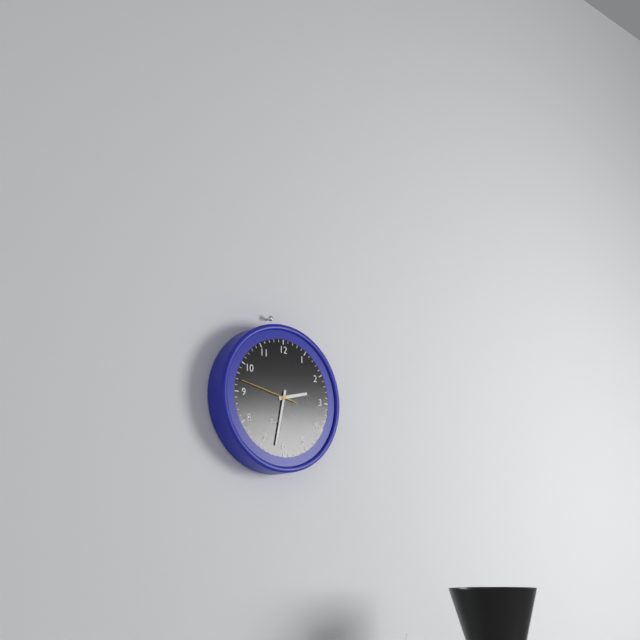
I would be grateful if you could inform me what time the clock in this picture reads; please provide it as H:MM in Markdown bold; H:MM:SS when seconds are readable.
**2:32:47**
